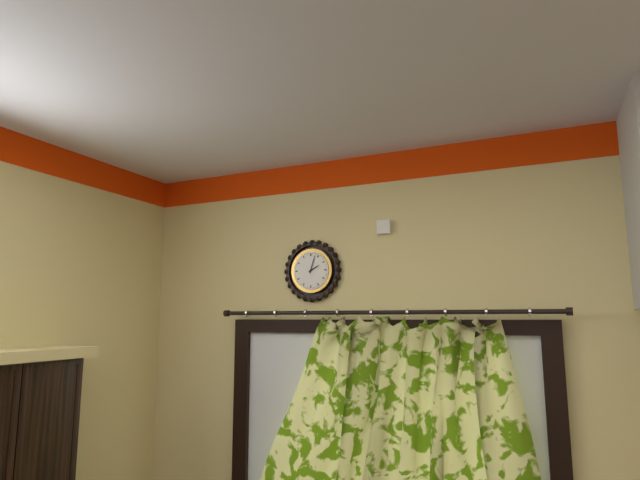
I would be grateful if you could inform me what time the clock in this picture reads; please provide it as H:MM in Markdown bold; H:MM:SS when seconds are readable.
**2:03**
